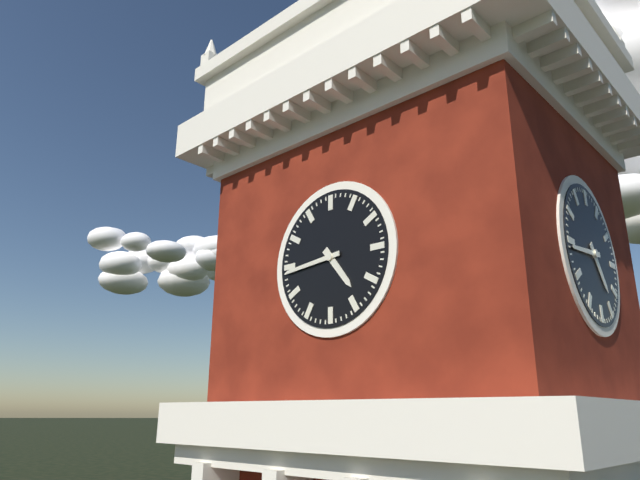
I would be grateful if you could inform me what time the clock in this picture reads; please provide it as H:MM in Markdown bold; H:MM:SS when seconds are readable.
**4:44**
